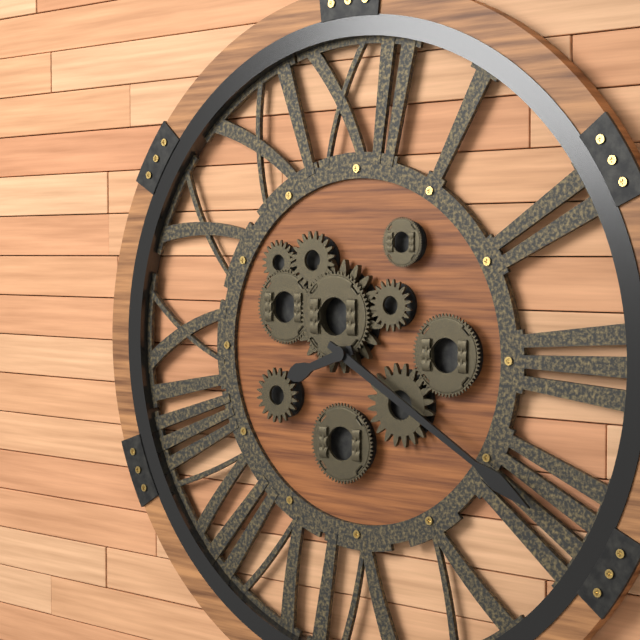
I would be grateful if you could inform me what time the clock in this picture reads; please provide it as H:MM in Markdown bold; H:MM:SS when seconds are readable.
**8:20**
